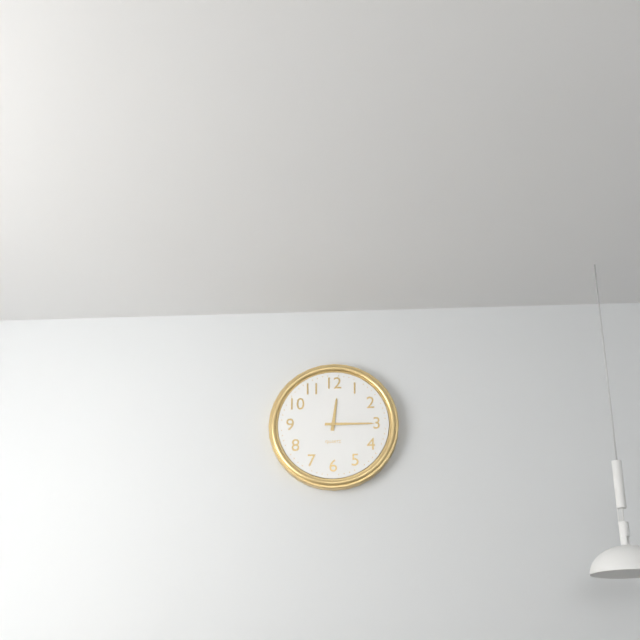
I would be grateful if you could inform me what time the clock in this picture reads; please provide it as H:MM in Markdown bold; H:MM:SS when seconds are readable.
**12:15**
